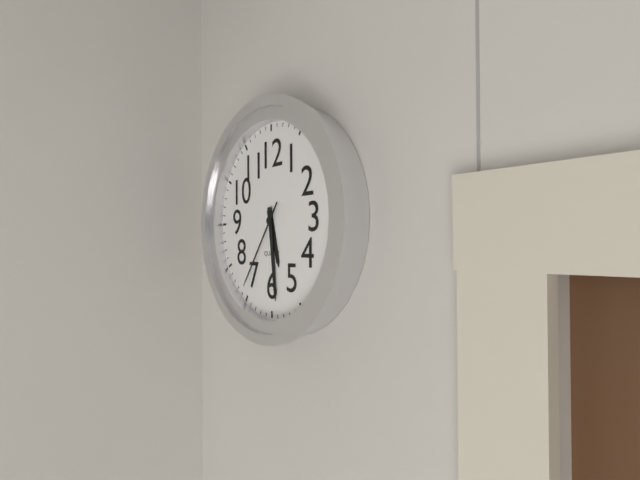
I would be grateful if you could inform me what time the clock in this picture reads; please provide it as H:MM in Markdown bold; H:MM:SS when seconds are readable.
**5:29:36**
